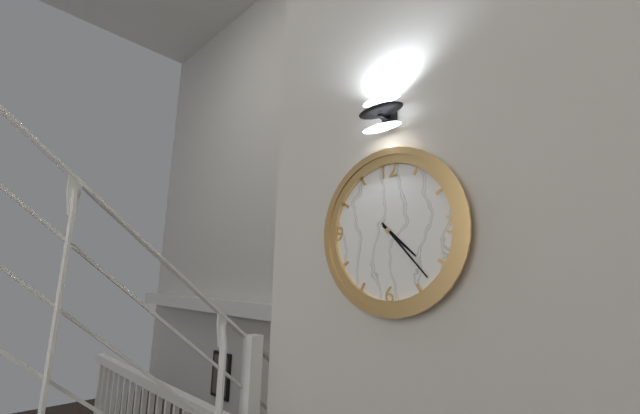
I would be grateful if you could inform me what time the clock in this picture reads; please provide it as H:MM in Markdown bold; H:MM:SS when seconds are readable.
**4:23**
